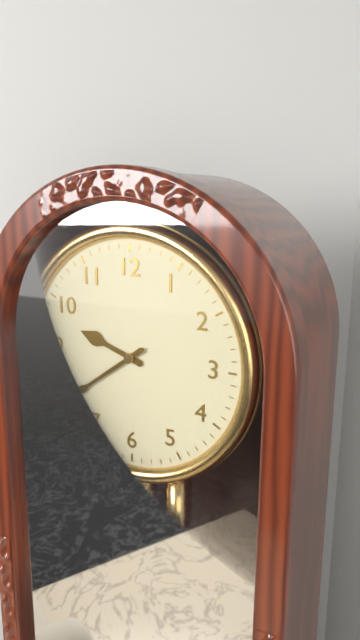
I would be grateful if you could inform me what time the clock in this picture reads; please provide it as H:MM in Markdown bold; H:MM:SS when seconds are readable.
**9:39**
